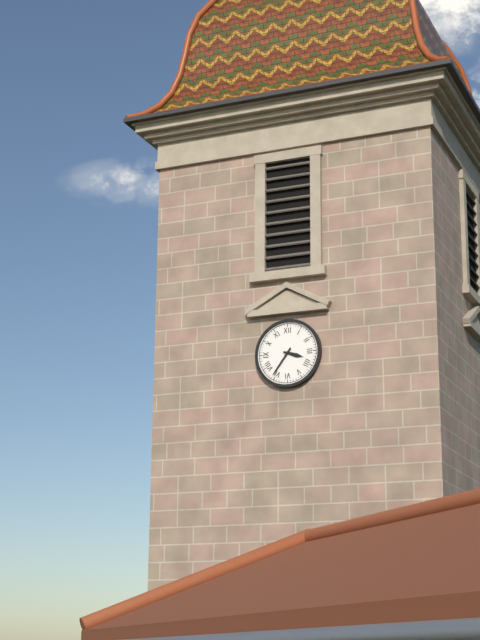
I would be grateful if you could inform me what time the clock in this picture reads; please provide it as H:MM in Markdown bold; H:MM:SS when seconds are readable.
**3:36**
